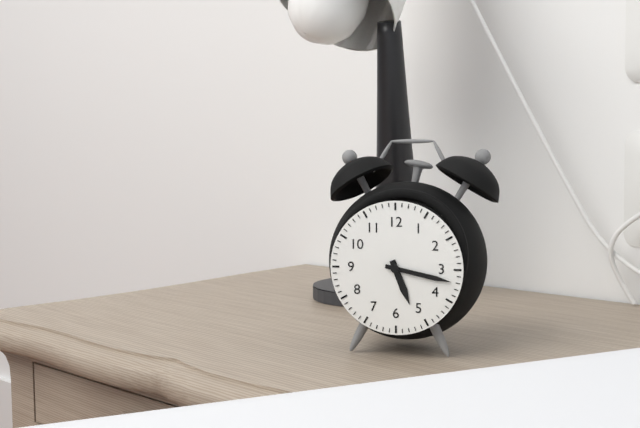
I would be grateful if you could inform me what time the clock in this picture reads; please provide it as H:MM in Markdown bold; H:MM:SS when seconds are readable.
**5:17**
